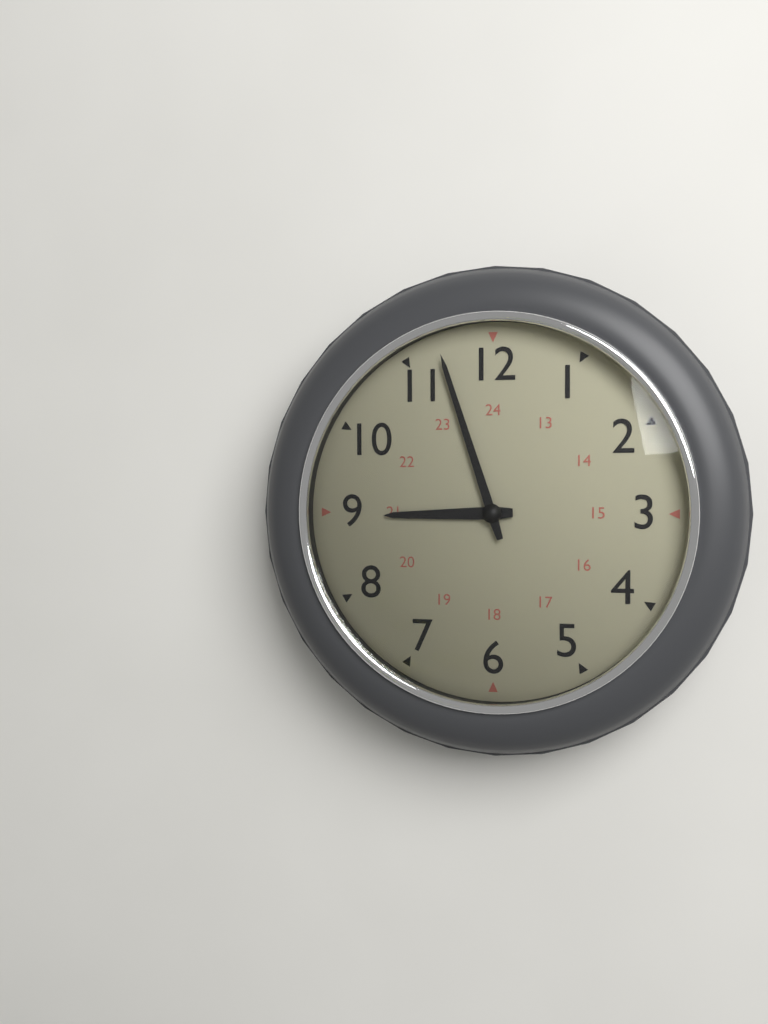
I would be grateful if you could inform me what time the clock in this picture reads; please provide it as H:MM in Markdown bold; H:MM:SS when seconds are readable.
**8:57**
